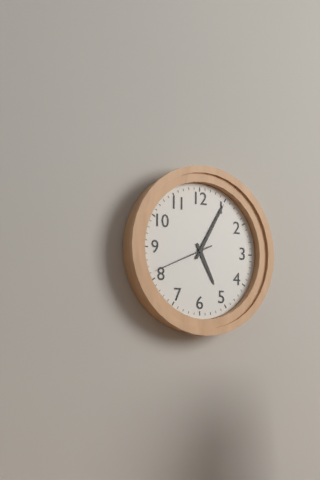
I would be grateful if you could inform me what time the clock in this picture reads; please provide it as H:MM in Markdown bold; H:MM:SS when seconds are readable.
**5:05:41**
